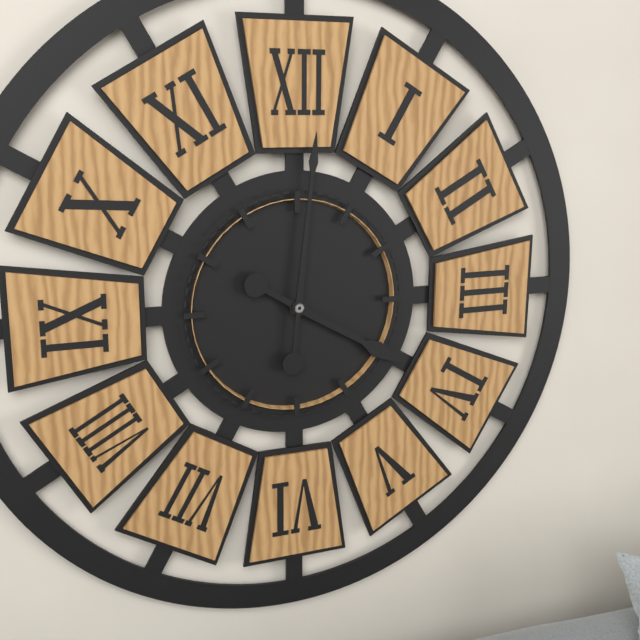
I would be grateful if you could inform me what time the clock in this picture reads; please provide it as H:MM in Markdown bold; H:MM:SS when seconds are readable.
**4:01**
